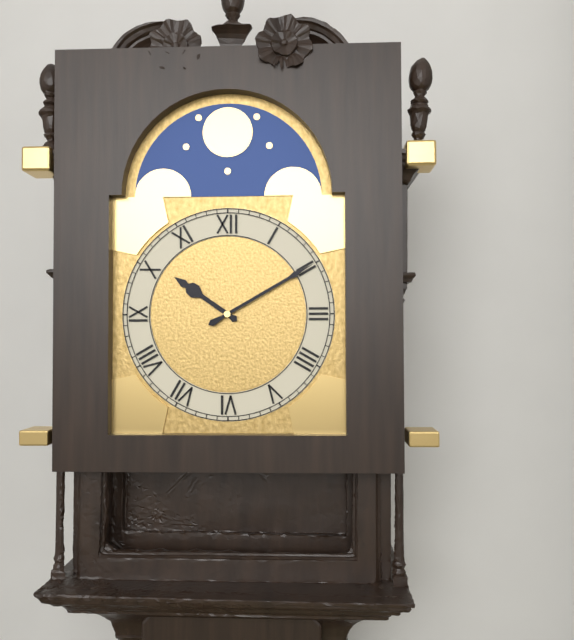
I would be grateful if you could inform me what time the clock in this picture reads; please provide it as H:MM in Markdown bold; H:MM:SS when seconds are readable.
**10:10**
